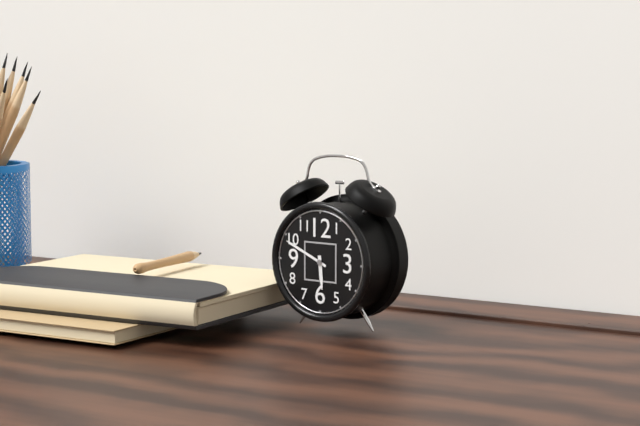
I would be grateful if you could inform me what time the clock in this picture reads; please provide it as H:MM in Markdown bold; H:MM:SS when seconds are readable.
**5:49**
